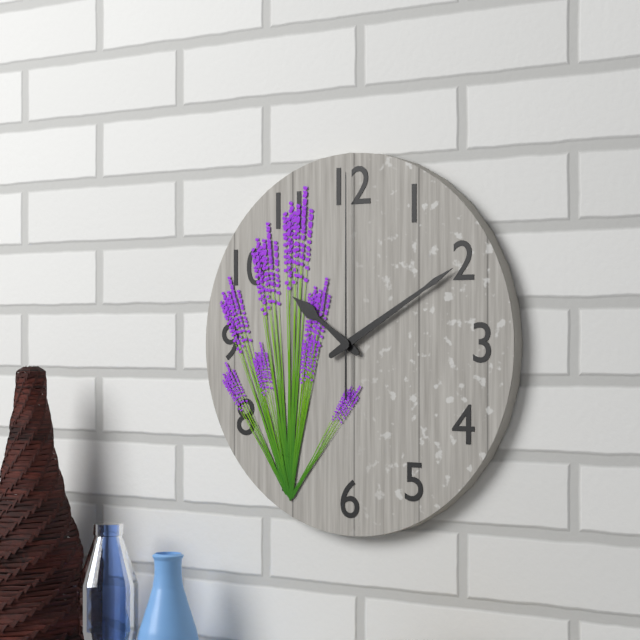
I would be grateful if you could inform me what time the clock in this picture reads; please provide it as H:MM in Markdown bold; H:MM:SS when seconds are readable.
**10:10:00**
